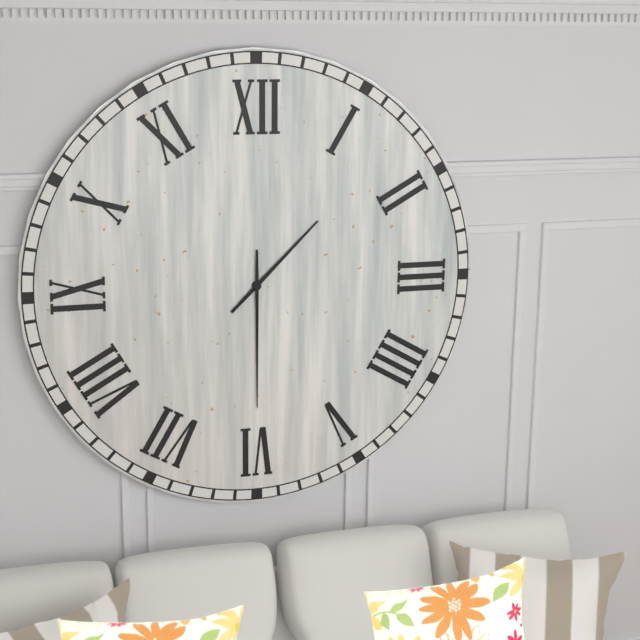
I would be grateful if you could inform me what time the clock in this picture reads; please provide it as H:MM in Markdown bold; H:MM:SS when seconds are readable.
**1:30**
